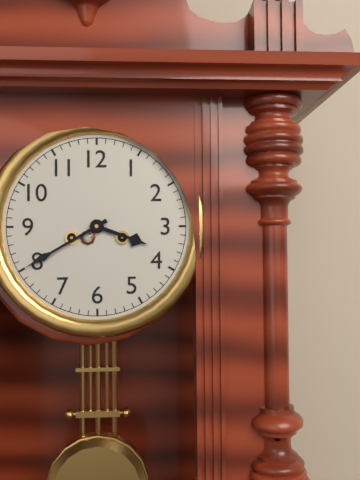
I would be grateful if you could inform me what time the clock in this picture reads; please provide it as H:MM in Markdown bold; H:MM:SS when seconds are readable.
**3:40**
